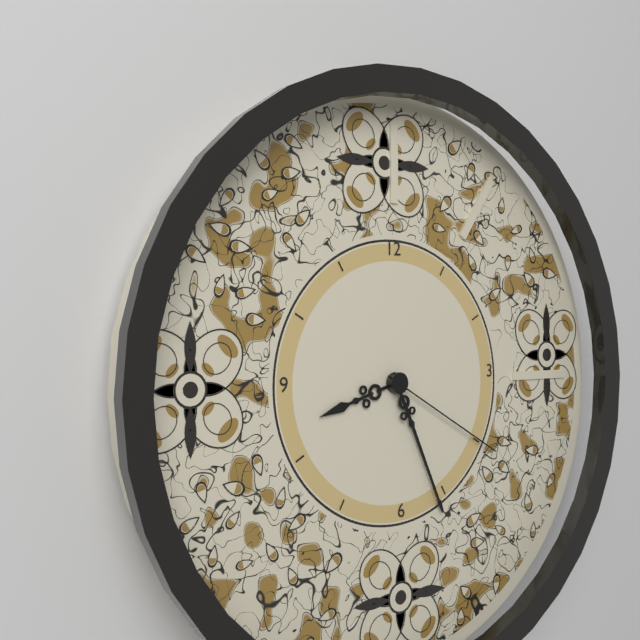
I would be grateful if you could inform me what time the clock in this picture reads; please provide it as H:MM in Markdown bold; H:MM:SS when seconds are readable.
**8:26:20**
